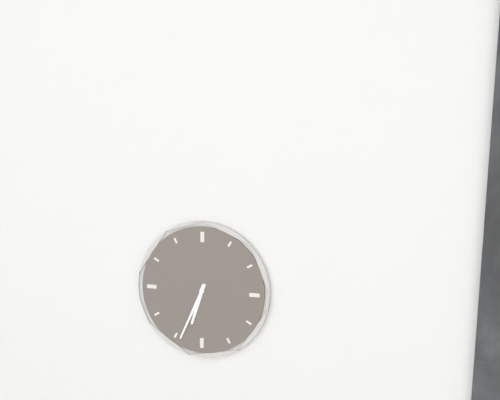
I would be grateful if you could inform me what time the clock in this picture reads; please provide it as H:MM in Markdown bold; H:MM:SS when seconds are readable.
**6:34**
